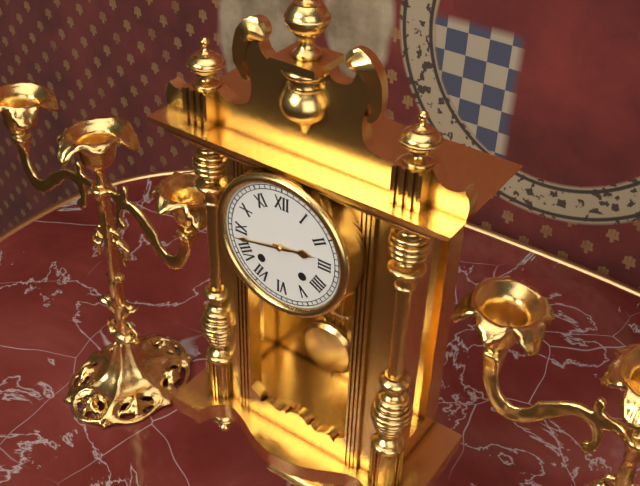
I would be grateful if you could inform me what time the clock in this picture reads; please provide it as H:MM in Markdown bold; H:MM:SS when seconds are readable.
**2:43**
